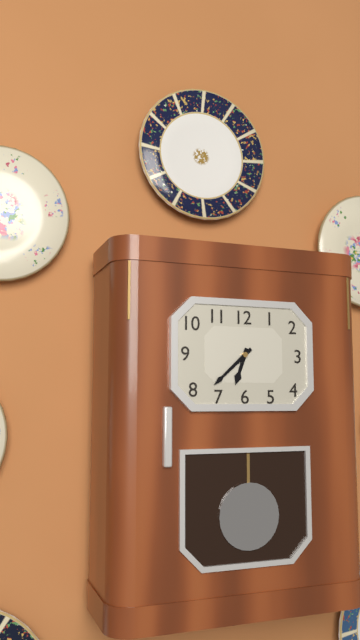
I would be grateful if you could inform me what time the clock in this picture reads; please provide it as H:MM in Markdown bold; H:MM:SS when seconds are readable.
**6:38**
